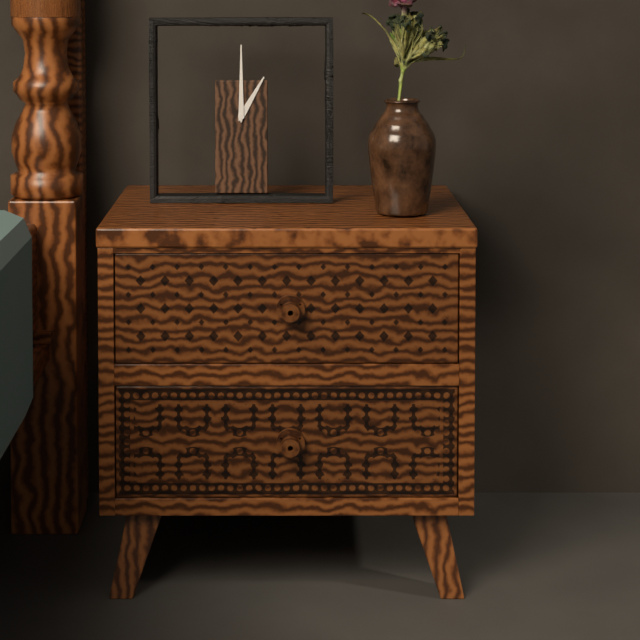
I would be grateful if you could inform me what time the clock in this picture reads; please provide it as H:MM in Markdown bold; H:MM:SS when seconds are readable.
**1:00**
